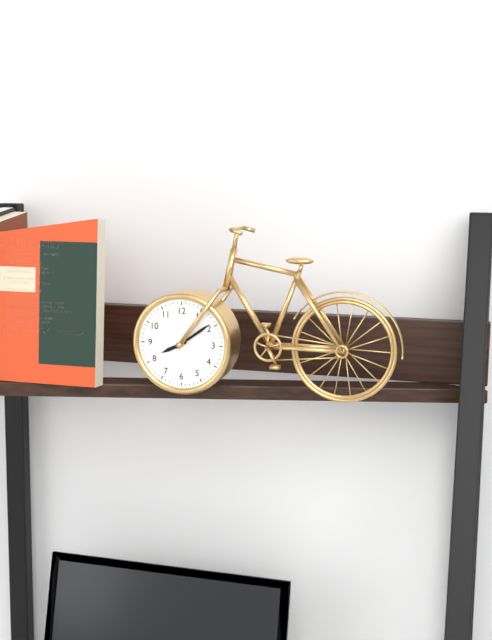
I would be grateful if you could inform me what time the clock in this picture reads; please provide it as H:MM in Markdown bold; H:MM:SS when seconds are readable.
**8:09**
